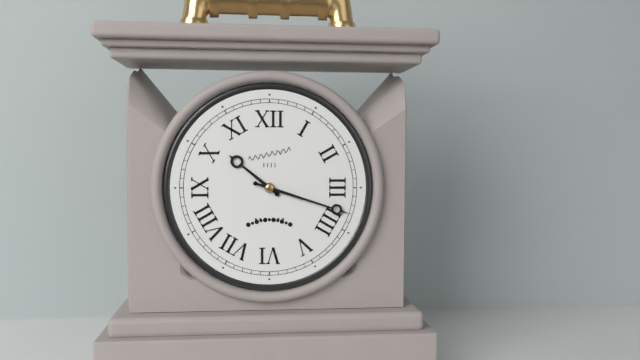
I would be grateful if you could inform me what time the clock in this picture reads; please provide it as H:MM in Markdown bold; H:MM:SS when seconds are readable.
**10:18**
